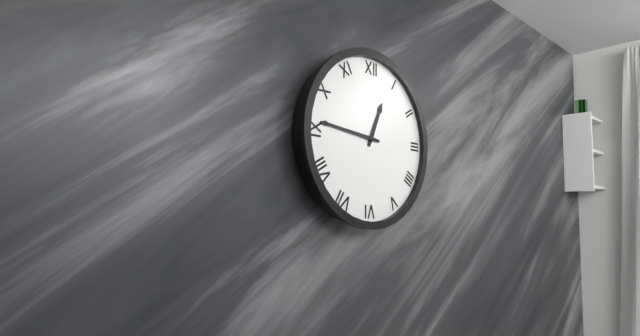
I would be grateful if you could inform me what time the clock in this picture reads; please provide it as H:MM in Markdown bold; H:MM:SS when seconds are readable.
**12:46**
